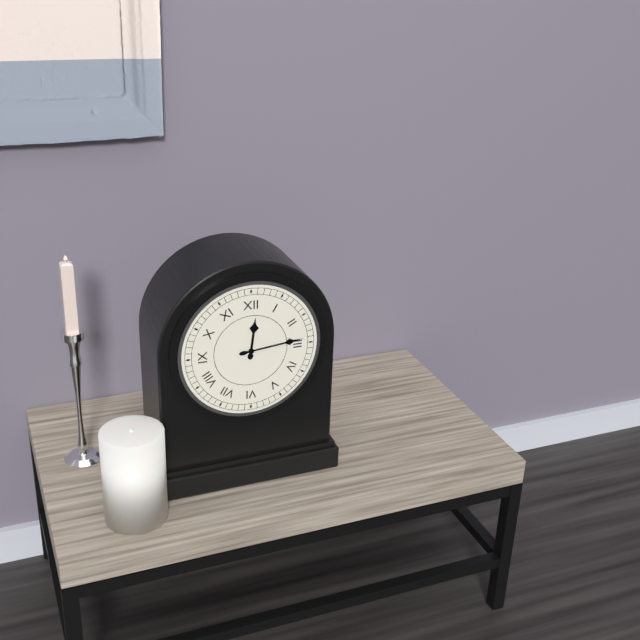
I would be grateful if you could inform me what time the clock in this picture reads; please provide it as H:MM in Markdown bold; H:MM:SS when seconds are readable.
**12:14**
